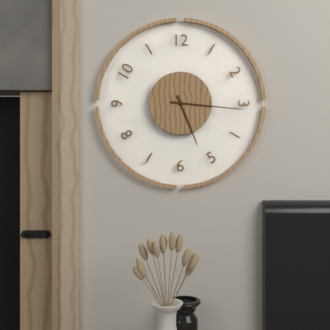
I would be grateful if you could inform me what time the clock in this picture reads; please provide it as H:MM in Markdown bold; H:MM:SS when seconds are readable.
**5:16**
